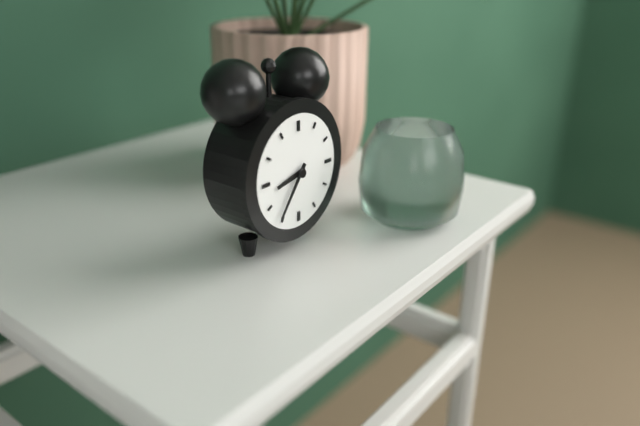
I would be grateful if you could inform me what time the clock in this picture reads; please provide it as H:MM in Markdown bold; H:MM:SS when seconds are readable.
**8:36**
